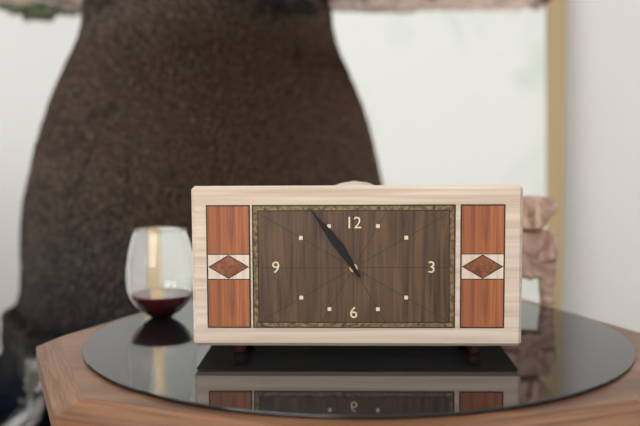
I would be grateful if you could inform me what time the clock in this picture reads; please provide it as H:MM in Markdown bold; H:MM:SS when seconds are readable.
**10:54**
